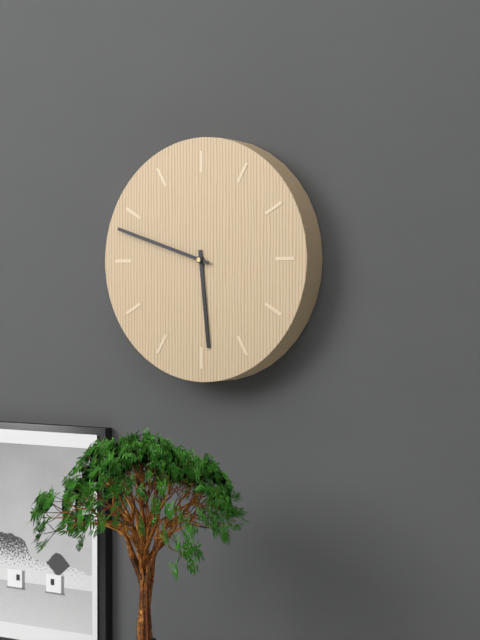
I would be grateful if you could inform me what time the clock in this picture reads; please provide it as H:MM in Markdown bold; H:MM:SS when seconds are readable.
**5:48**
